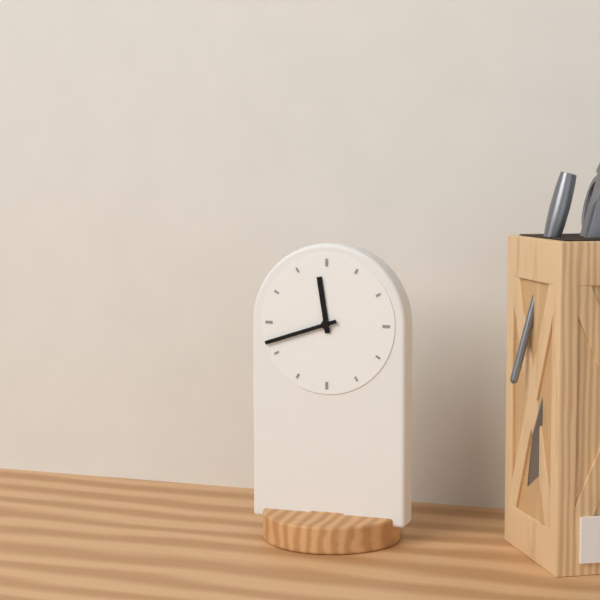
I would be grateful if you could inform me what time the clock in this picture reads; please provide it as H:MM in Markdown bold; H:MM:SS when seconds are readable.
**11:42**
